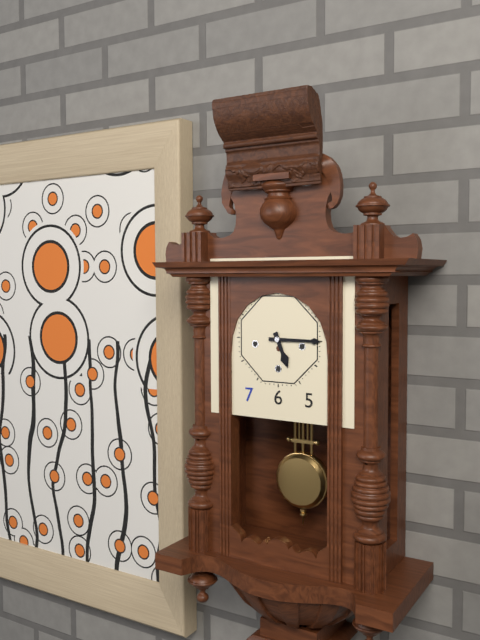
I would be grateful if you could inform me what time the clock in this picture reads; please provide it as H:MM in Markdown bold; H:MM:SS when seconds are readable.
**5:15**
